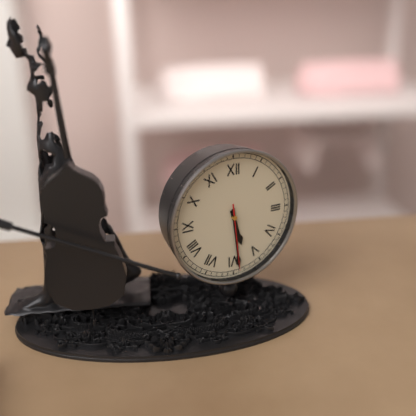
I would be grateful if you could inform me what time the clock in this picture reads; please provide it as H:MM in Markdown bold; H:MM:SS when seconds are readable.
**5:29:29**
